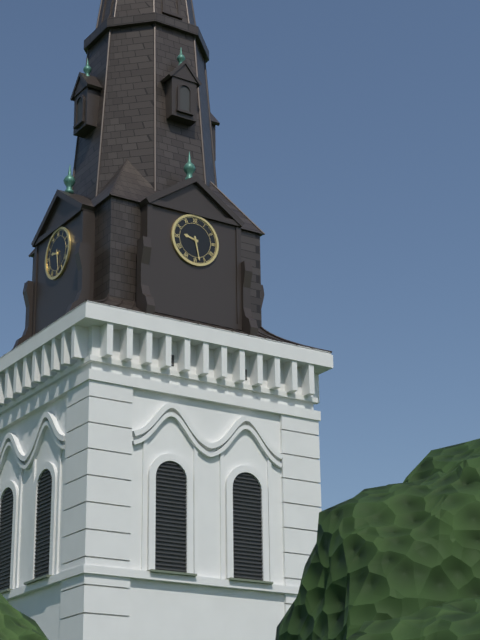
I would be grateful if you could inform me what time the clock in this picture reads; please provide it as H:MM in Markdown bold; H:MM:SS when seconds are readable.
**9:28**
